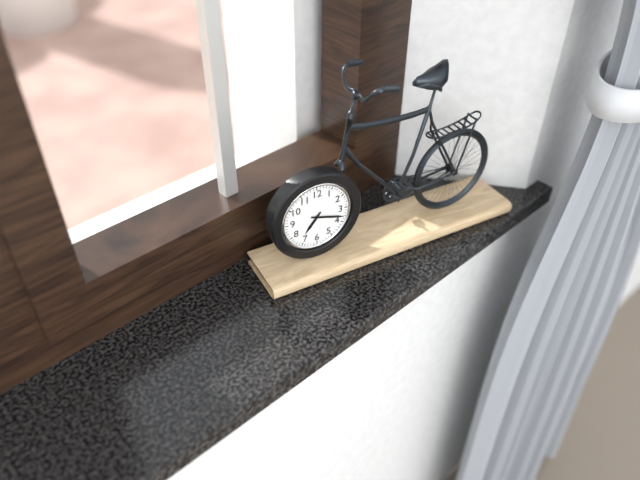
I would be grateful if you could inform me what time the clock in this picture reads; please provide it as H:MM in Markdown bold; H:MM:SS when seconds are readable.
**7:18**
